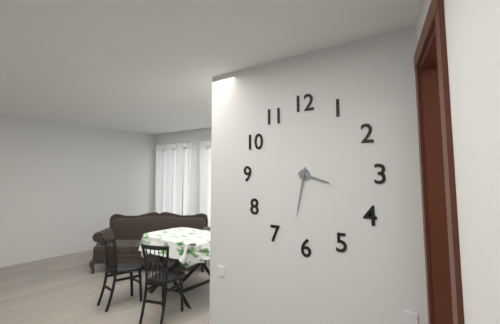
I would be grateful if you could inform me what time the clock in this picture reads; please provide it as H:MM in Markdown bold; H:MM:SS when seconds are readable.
**3:32**
